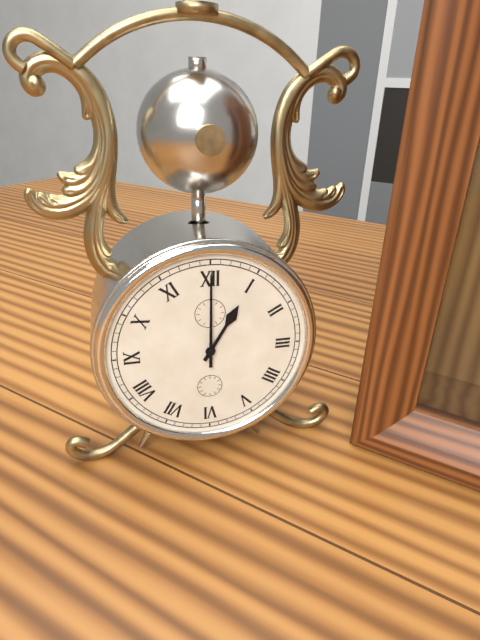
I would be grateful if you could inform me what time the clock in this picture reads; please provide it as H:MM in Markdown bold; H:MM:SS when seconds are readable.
**1:00**
